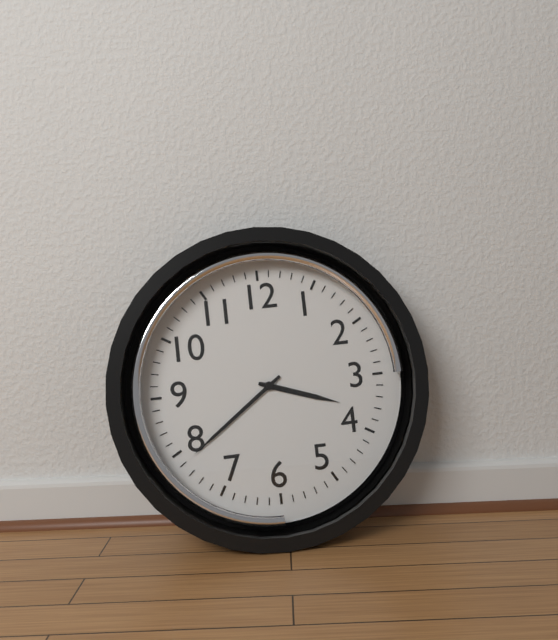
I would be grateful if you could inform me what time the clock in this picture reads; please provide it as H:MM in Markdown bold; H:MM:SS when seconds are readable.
**3:39**
